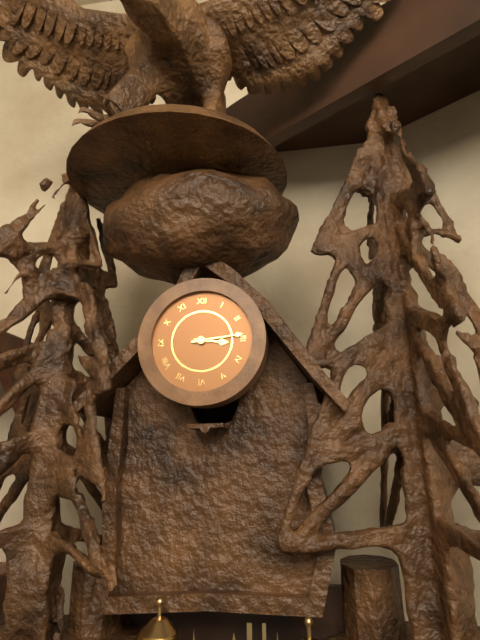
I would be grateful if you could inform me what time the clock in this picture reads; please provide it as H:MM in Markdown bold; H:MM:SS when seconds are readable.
**3:14**
